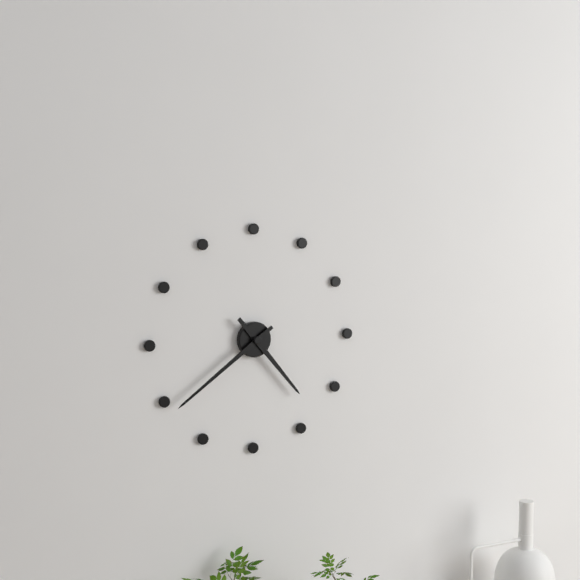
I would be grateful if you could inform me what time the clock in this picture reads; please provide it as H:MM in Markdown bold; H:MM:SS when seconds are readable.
**4:39**
